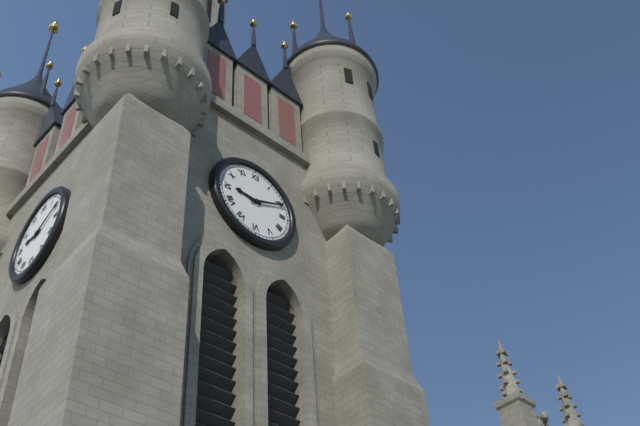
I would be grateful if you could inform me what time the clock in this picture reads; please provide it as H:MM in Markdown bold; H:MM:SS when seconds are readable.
**9:11**
